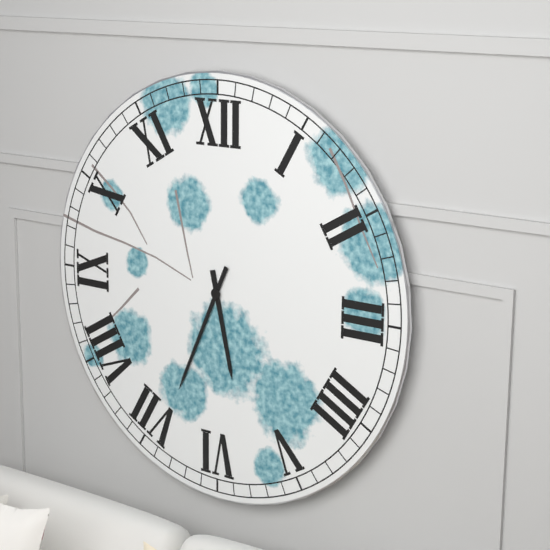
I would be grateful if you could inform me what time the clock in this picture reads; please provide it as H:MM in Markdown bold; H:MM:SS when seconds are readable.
**5:34**
